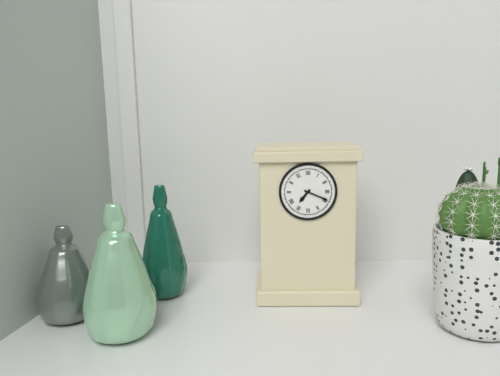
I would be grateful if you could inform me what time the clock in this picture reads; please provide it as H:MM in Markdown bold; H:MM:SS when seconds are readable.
**7:19**
